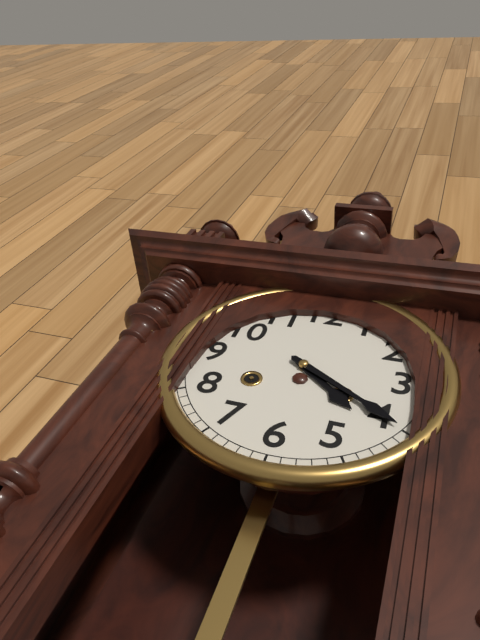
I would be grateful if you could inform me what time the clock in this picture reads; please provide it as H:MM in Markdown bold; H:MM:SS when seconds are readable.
**4:20**
